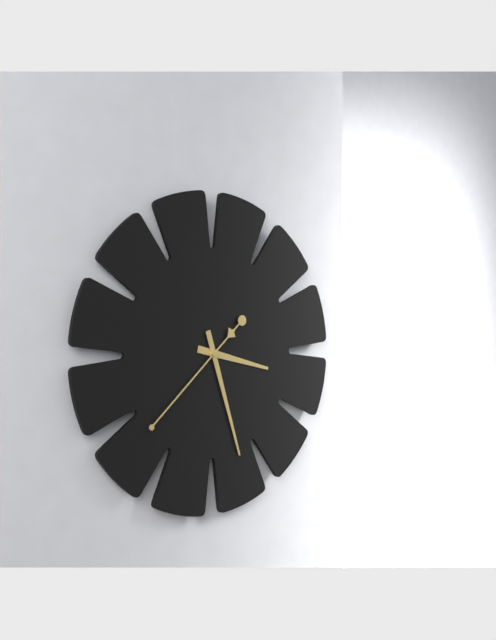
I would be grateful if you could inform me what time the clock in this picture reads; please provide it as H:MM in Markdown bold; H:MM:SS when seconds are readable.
**3:27:38**
